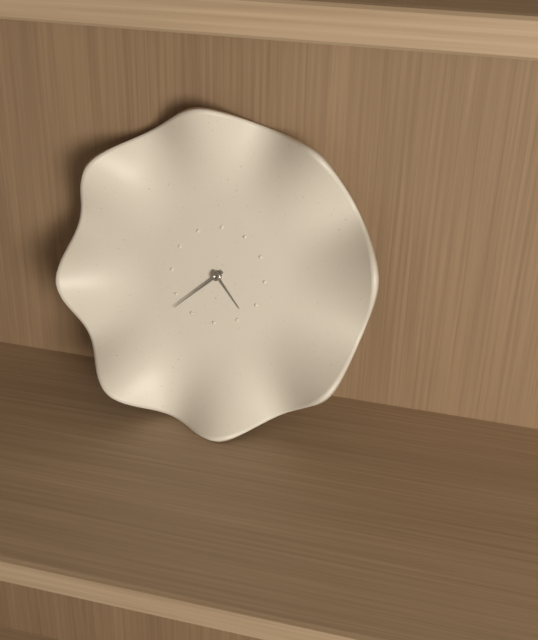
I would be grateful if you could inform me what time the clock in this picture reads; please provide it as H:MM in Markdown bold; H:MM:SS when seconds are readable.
**4:38**
